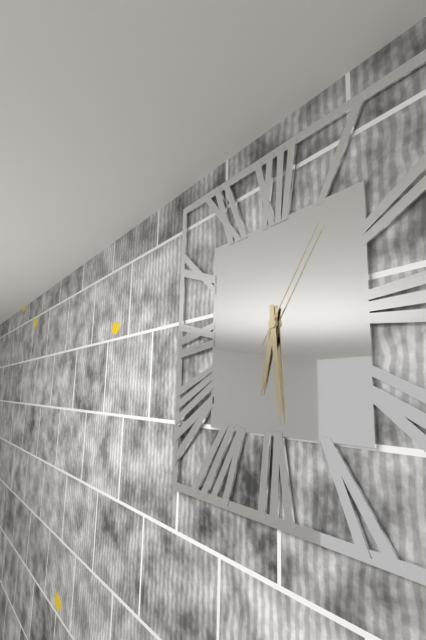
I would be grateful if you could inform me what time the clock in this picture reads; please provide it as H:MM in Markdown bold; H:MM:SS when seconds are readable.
**6:29:06**
